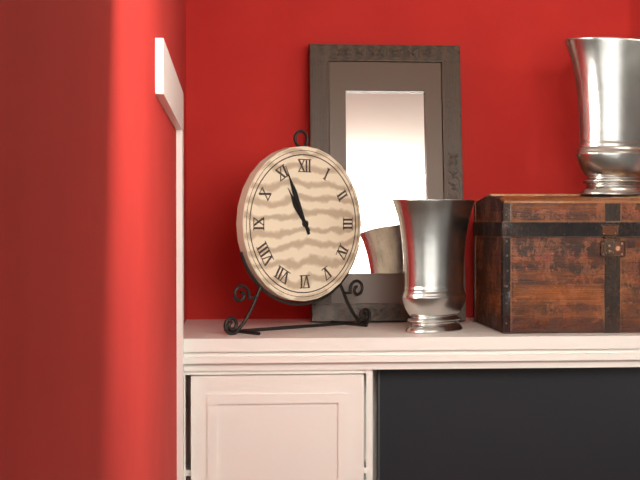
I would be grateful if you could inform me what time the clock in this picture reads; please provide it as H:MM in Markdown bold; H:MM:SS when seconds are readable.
**10:56**
